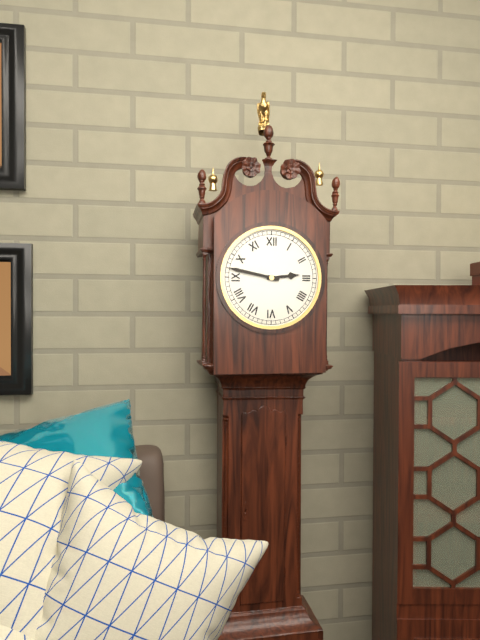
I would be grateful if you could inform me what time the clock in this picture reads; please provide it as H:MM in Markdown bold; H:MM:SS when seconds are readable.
**2:47**
